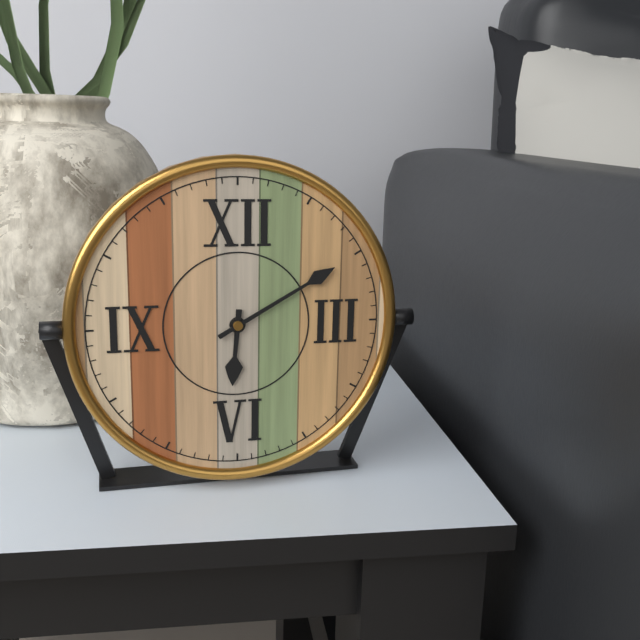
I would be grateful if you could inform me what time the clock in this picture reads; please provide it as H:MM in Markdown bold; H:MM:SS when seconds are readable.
**6:10**
